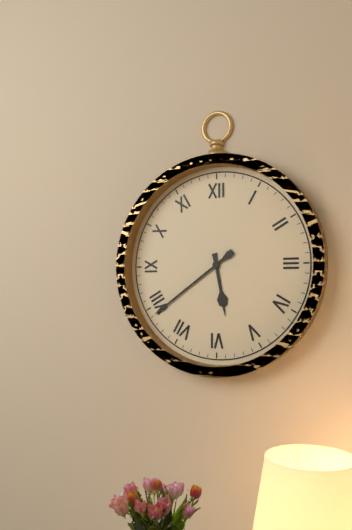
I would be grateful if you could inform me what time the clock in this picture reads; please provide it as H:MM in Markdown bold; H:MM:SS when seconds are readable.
**5:39**
